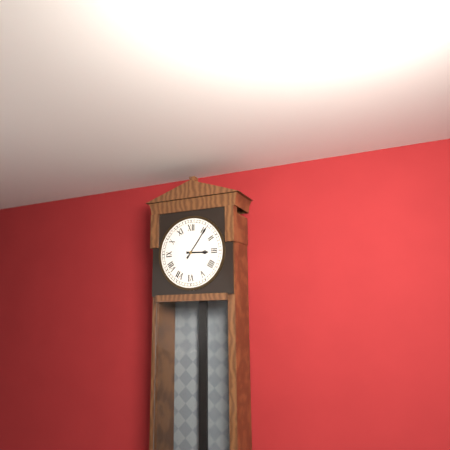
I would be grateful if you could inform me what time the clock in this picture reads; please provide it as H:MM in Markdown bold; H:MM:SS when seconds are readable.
**3:06**
